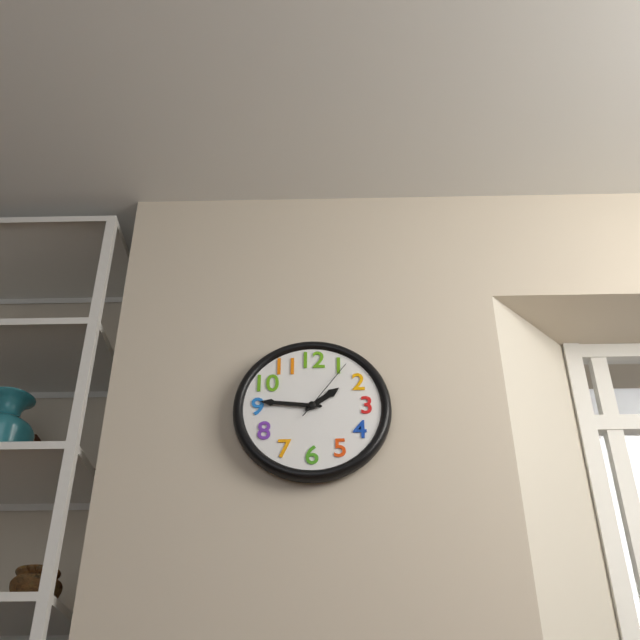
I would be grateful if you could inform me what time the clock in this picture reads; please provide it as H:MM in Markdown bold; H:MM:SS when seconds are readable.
**1:46:06**
